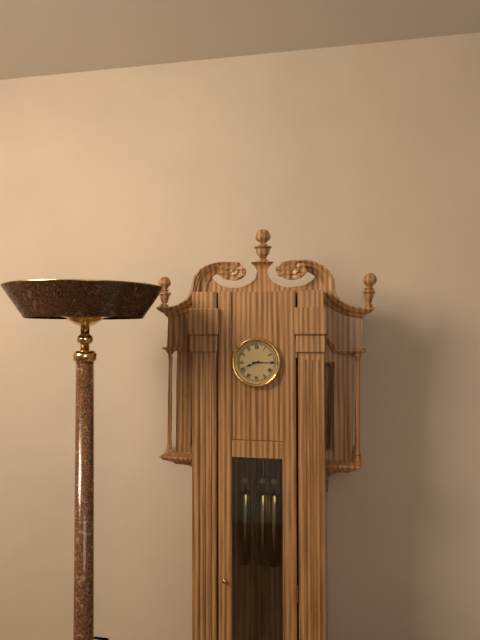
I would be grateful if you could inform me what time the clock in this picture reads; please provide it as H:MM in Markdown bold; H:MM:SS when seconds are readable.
**8:15**
